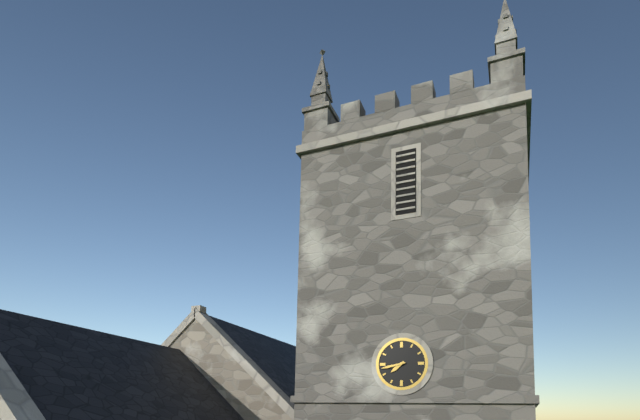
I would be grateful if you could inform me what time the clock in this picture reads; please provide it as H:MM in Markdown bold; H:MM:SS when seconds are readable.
**7:43**
